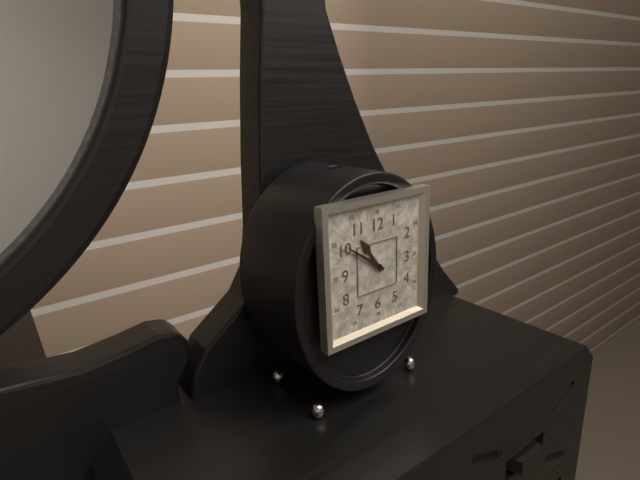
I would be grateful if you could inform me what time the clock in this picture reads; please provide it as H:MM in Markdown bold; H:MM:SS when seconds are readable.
**10:51**
